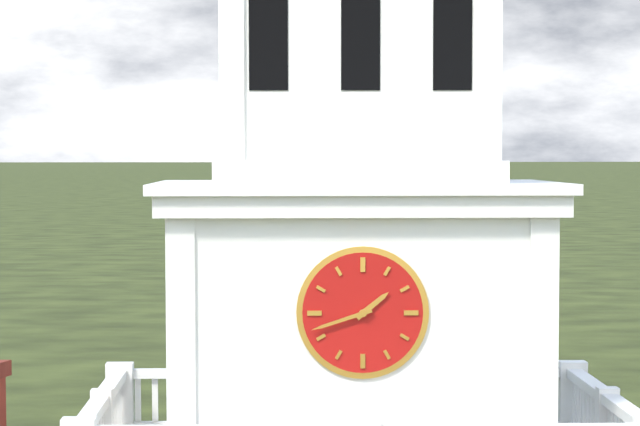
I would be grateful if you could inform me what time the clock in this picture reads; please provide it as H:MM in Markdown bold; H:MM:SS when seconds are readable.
**1:42**
